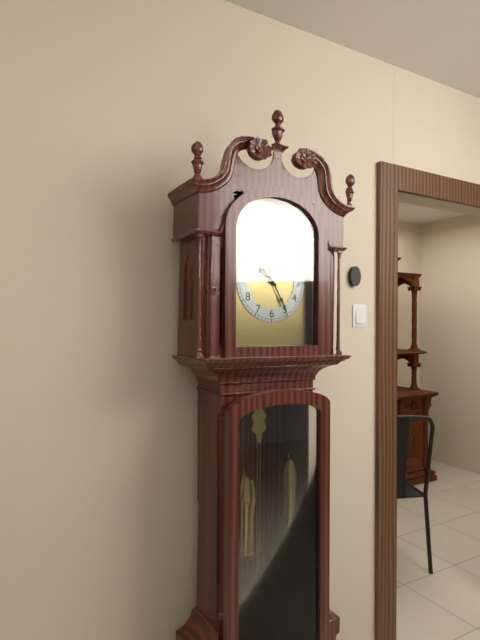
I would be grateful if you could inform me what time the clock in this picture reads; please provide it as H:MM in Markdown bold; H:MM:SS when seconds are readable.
**10:25**
